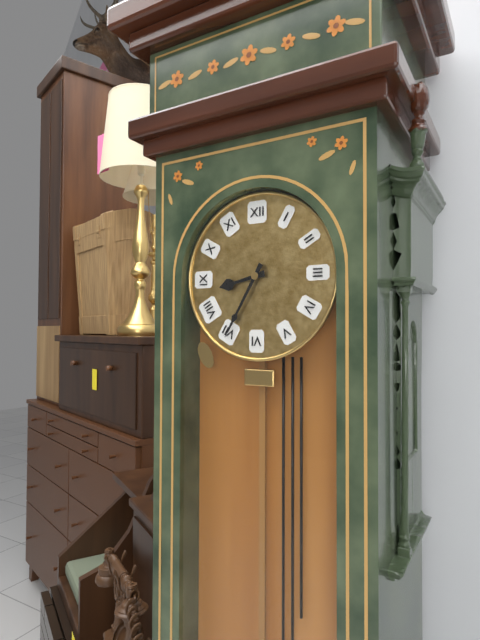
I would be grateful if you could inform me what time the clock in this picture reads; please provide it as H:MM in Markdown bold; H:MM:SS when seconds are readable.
**8:35**
